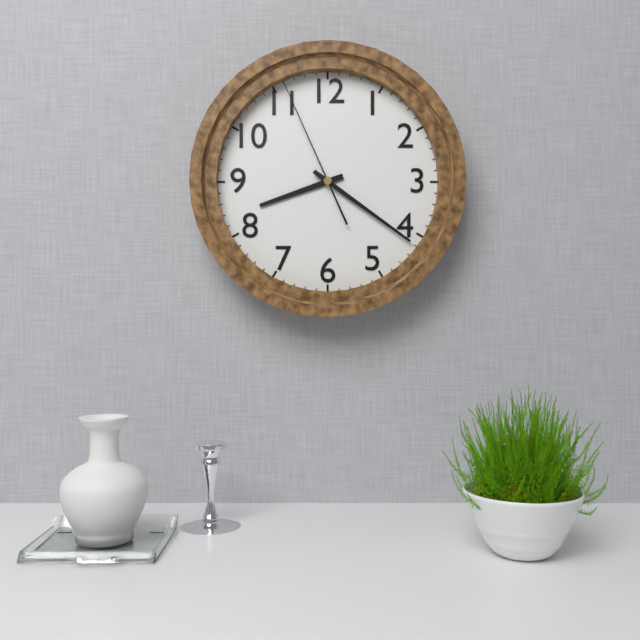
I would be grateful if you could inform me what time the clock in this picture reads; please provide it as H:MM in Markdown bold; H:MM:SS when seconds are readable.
**8:21:56**
